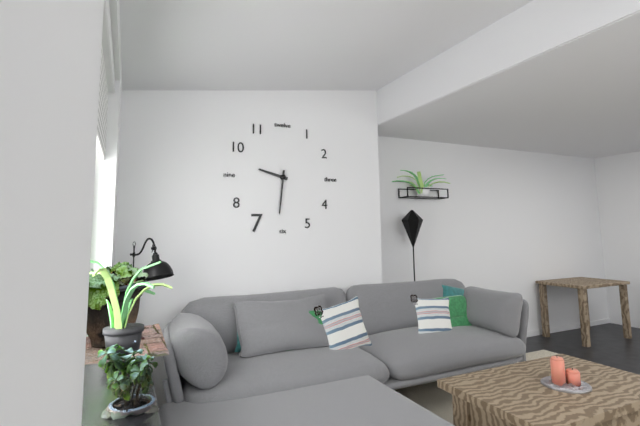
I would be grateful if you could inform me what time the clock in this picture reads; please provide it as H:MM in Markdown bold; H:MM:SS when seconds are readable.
**9:31**
